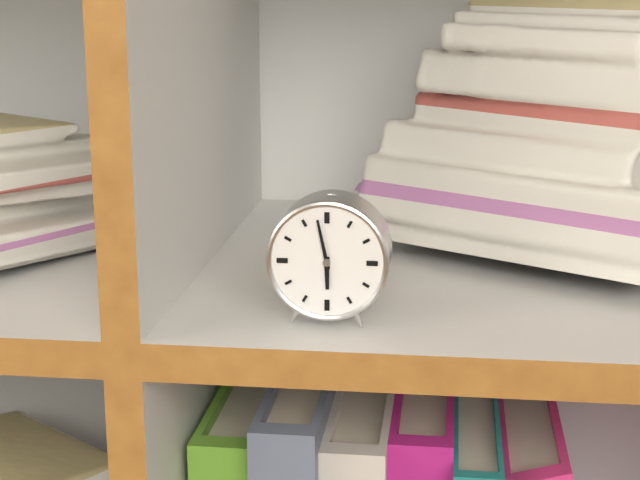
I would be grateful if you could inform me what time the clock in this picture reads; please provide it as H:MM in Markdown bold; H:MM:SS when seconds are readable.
**5:58**
